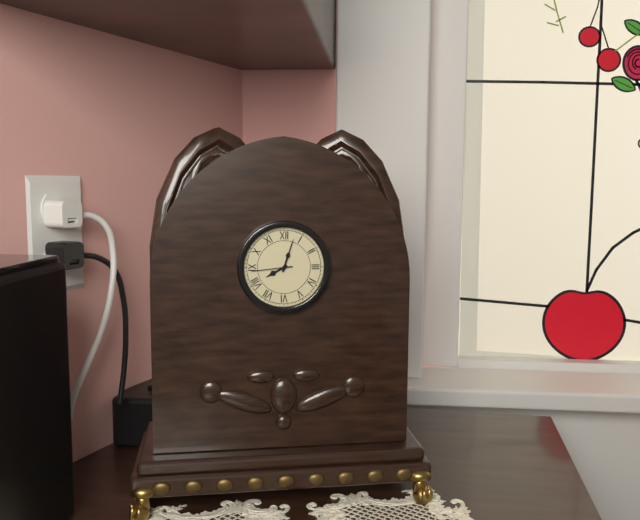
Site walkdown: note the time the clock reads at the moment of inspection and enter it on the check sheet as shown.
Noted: 8:03
